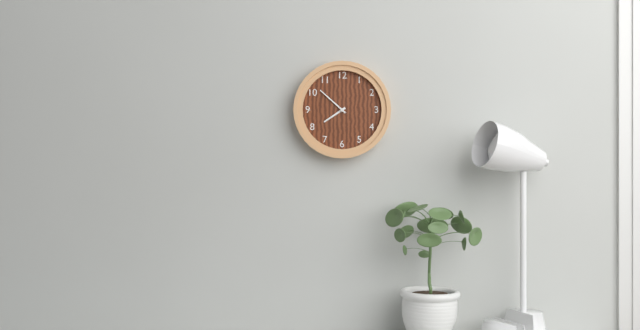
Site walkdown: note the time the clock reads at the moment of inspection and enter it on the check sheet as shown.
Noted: 7:52
